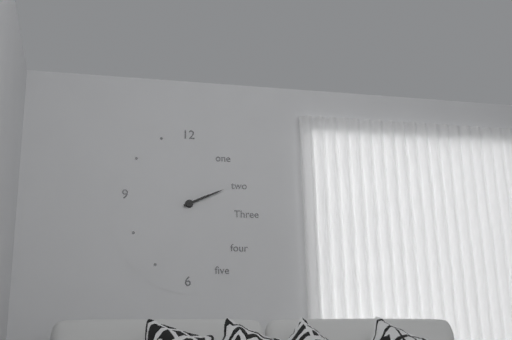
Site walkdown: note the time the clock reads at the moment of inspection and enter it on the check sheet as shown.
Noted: 2:11
